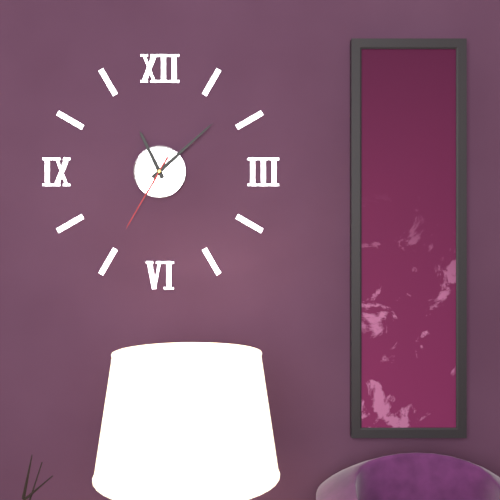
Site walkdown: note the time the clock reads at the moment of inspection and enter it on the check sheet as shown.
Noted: 11:08:35
